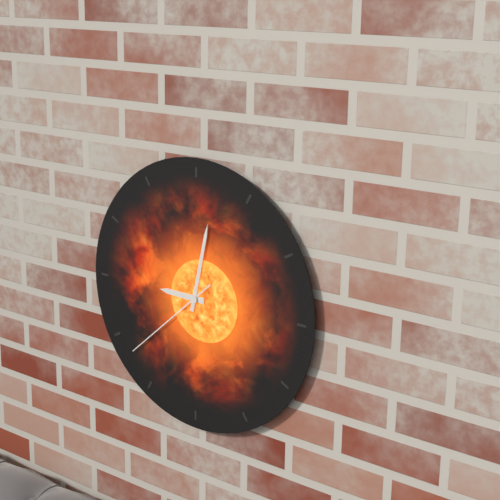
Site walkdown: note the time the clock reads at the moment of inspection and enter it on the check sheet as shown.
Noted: 9:02:38
